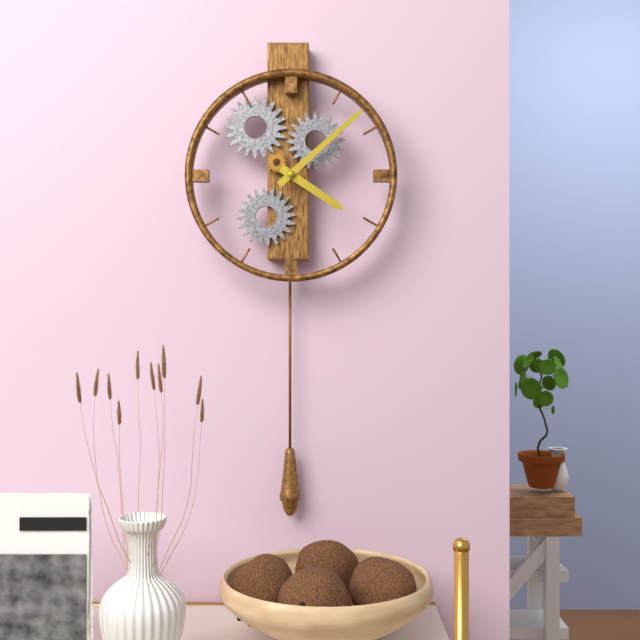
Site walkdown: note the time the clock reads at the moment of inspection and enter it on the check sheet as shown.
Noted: 4:08
